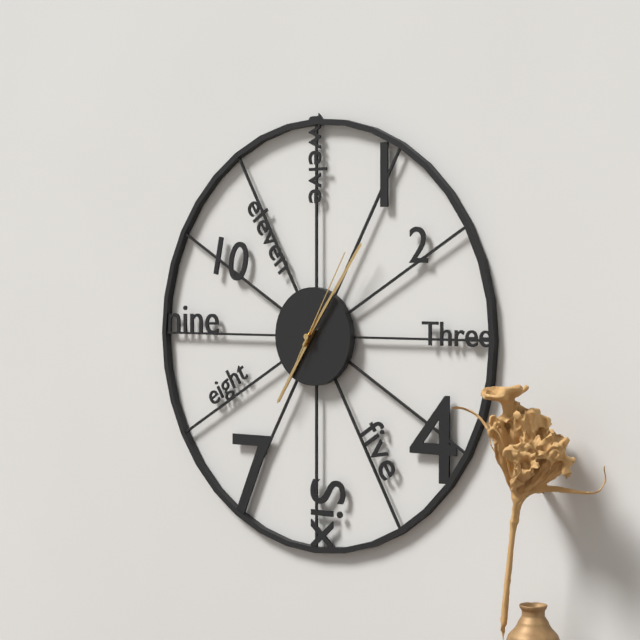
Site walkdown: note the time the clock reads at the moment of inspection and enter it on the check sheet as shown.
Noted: 7:06:05
